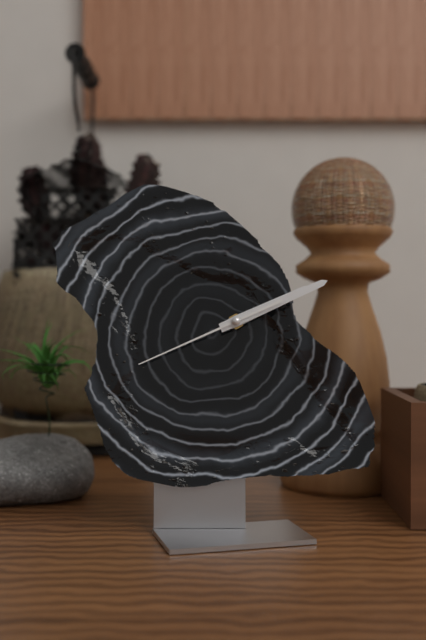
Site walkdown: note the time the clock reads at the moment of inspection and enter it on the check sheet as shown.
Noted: 2:11:41
